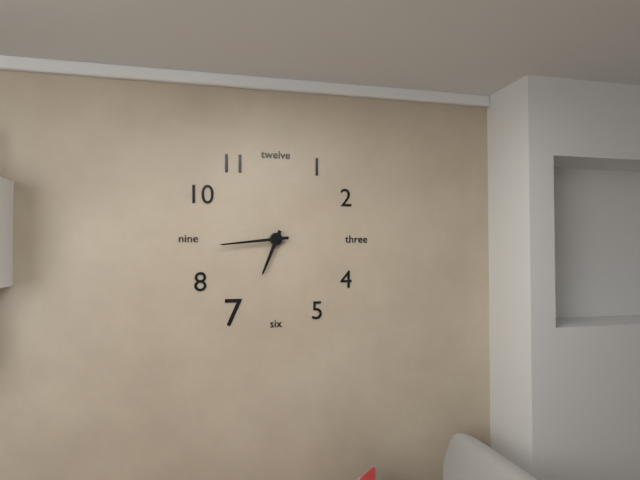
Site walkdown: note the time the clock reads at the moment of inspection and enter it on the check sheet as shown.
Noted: 6:44
